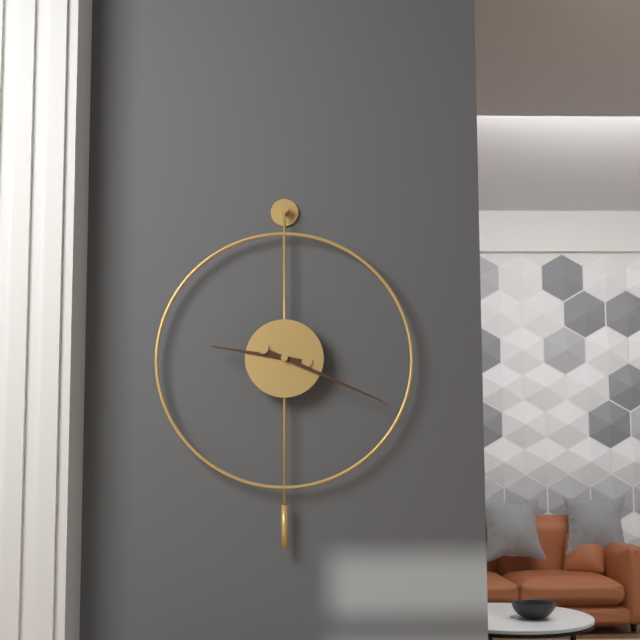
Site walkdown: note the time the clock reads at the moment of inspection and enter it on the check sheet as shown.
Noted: 9:19
